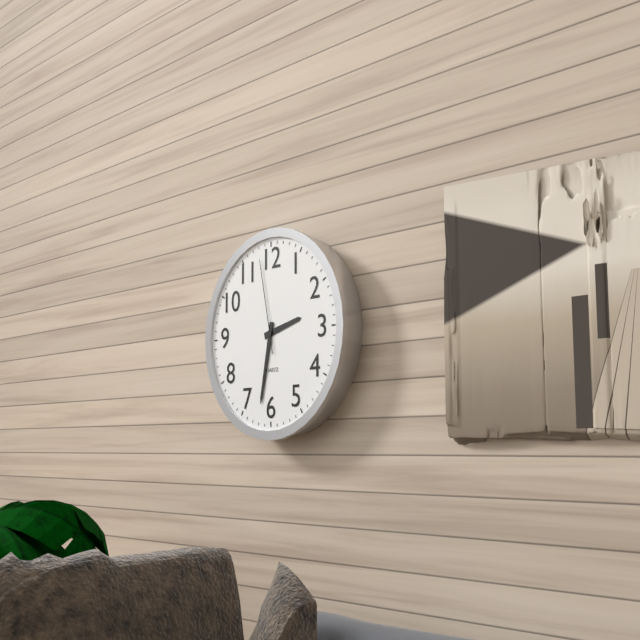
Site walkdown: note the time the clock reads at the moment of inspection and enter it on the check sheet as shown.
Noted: 2:32:58
